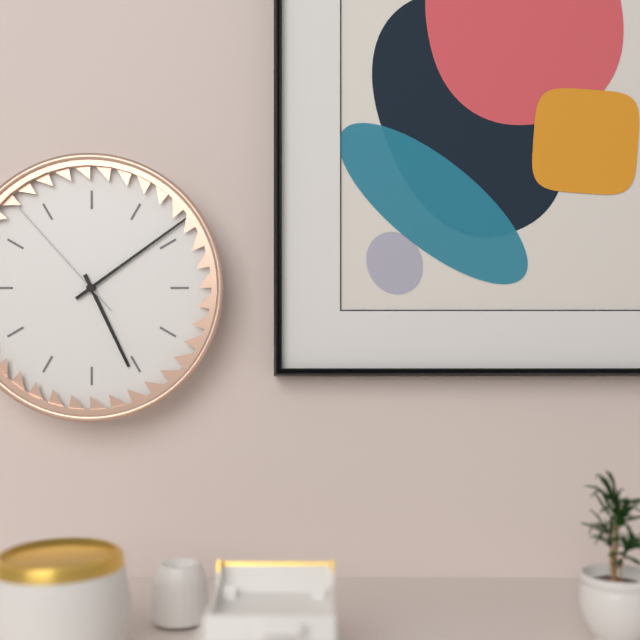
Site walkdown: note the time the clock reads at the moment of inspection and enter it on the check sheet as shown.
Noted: 5:09:53
